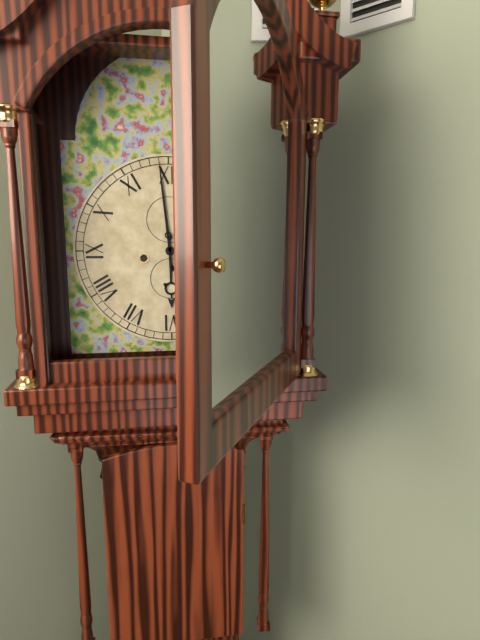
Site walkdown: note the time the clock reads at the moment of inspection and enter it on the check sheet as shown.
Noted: 5:59
